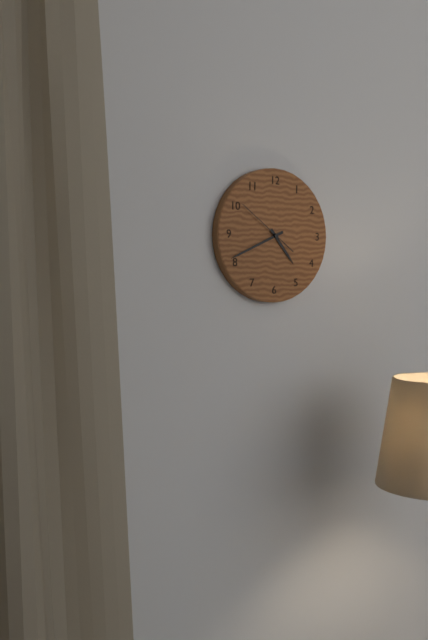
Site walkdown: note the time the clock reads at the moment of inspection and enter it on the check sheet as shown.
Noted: 4:41:51
